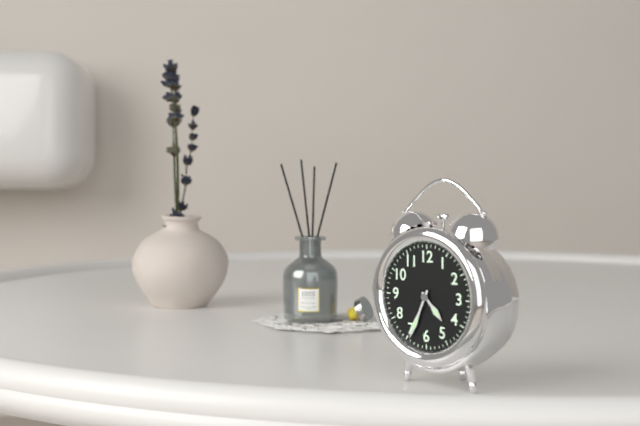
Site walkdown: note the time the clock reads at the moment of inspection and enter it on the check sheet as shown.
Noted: 4:34
